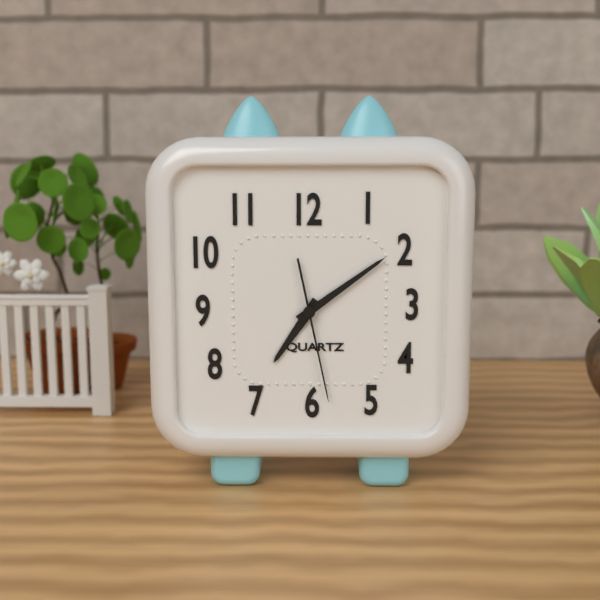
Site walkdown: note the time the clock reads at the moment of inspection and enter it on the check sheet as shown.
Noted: 7:09:28
